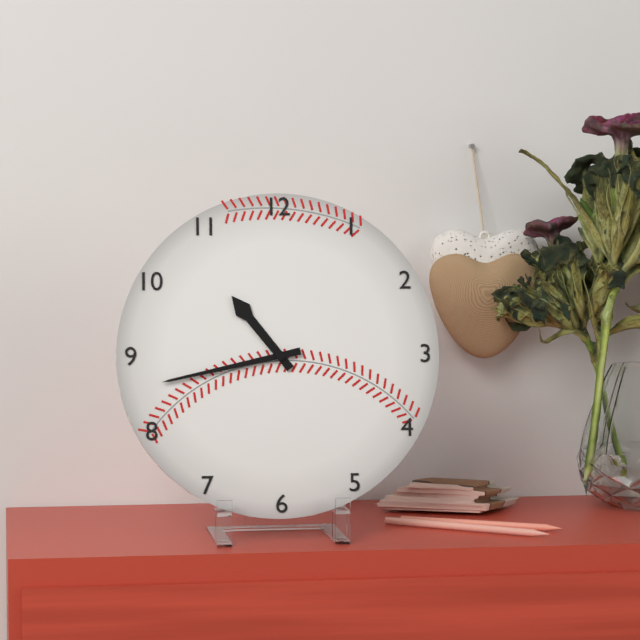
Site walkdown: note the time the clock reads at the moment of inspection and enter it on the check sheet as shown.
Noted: 10:43
